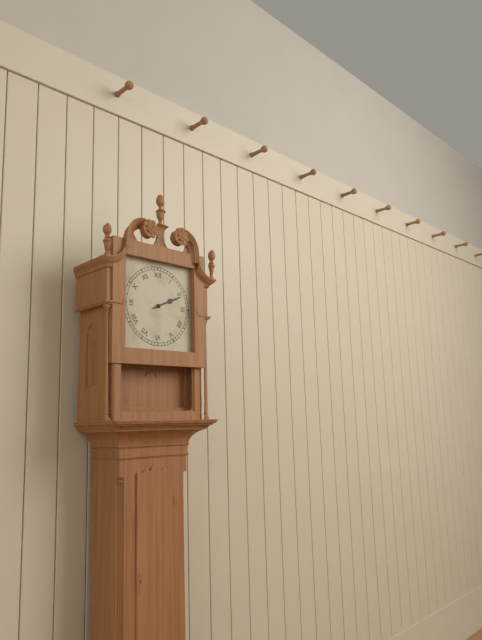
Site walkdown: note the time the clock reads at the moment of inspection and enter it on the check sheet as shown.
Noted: 2:11
